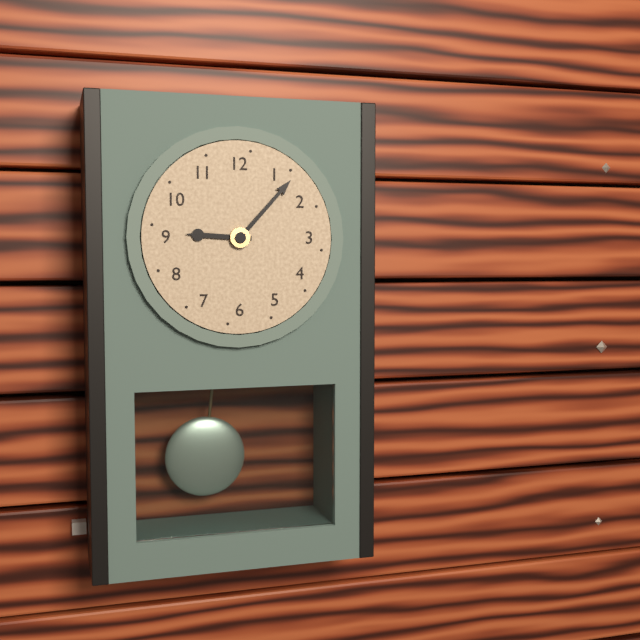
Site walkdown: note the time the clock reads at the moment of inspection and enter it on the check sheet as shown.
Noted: 9:07
